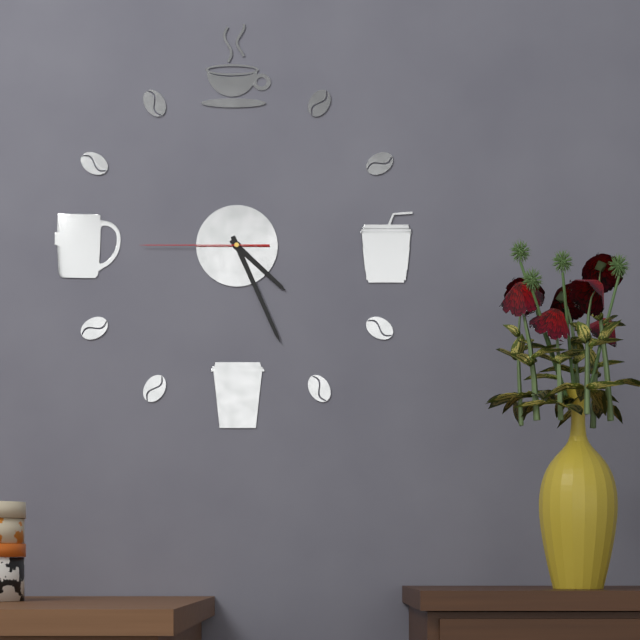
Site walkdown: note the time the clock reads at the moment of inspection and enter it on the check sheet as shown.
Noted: 4:26:45
